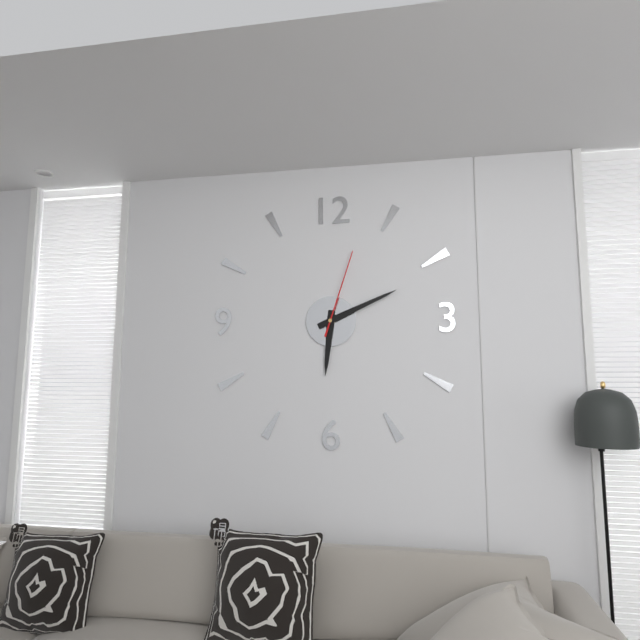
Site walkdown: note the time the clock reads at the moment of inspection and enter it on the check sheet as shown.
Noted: 6:11:03
